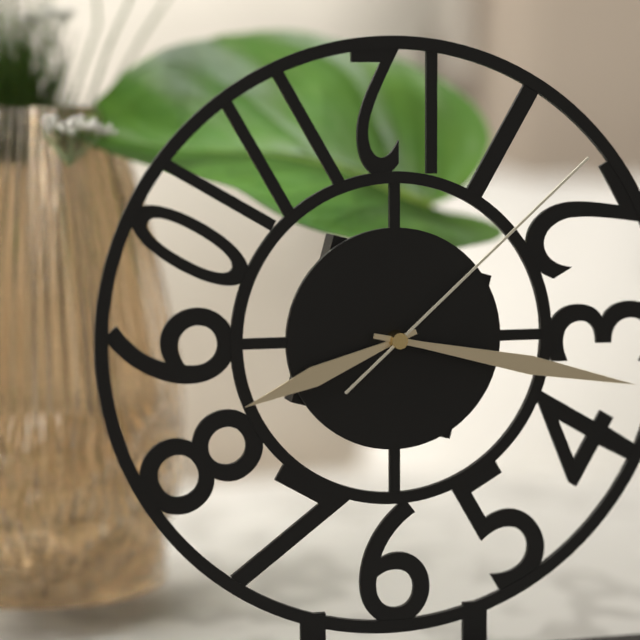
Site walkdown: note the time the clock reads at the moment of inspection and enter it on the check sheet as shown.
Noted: 8:17:08
